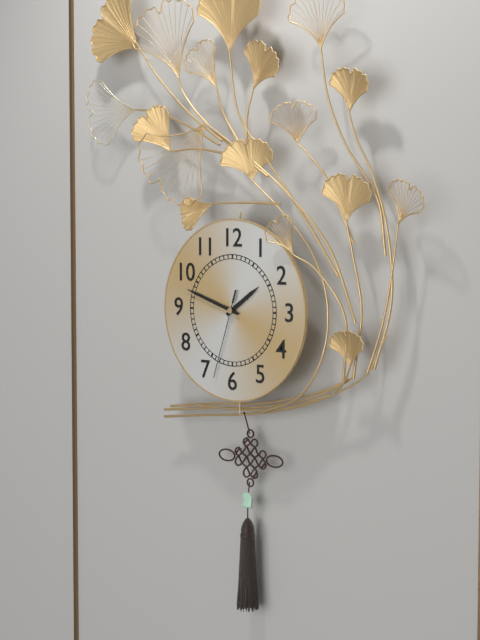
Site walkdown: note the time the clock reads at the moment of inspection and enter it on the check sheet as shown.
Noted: 1:48:33
